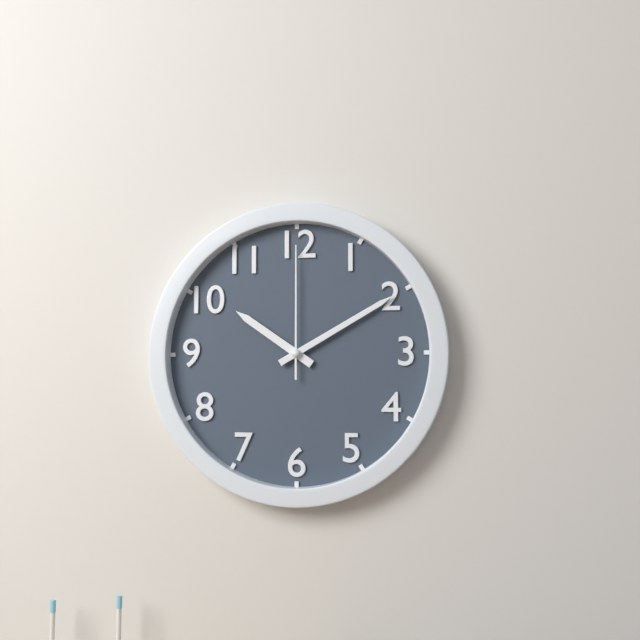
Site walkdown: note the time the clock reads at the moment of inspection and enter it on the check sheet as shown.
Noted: 10:10:00
